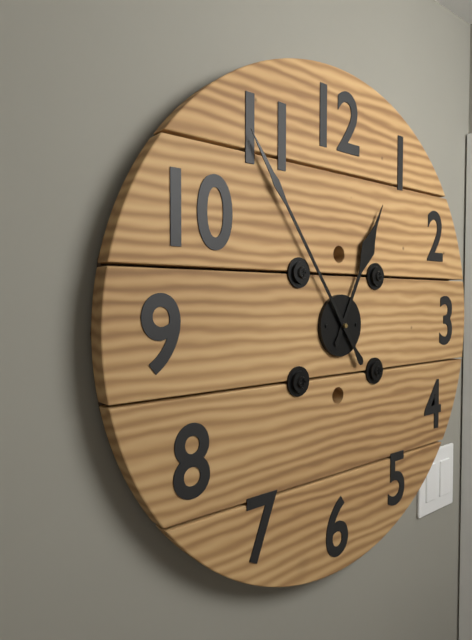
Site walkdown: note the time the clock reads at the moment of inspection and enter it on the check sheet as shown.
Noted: 12:54
